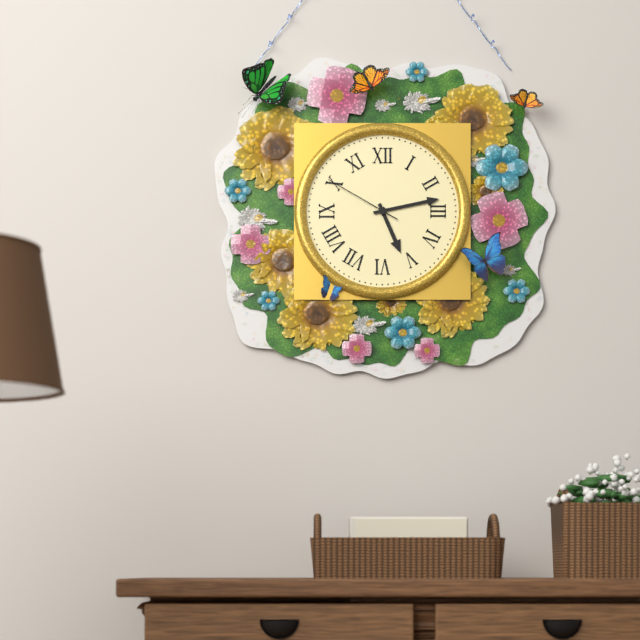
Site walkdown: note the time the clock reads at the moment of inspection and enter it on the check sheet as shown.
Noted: 5:13:50
